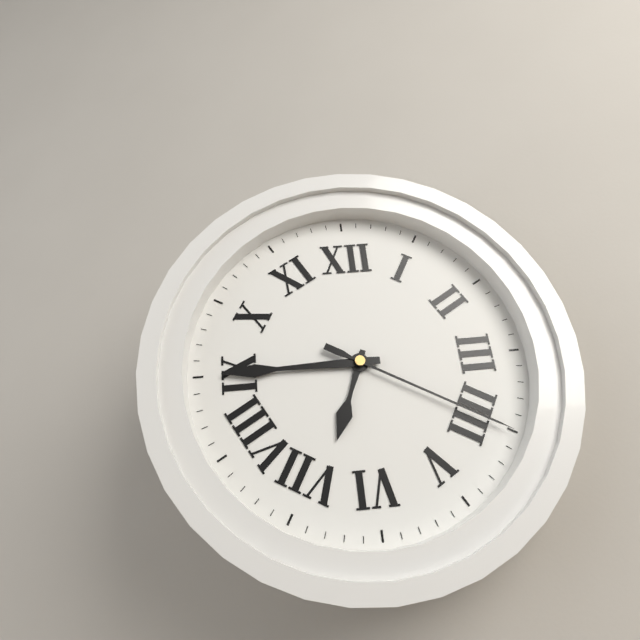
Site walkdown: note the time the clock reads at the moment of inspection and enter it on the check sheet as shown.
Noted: 6:45:20
